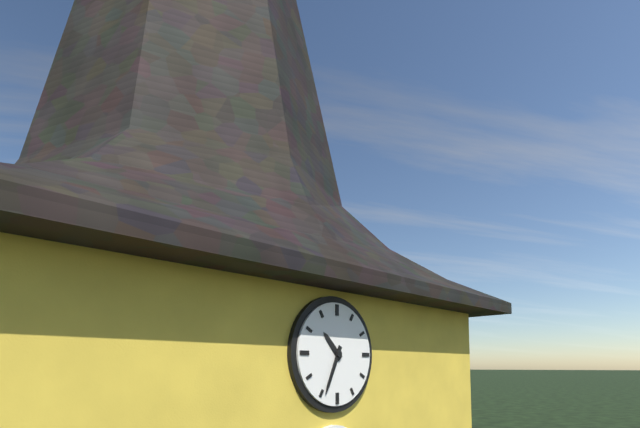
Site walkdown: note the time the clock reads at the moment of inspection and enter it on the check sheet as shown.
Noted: 10:34
